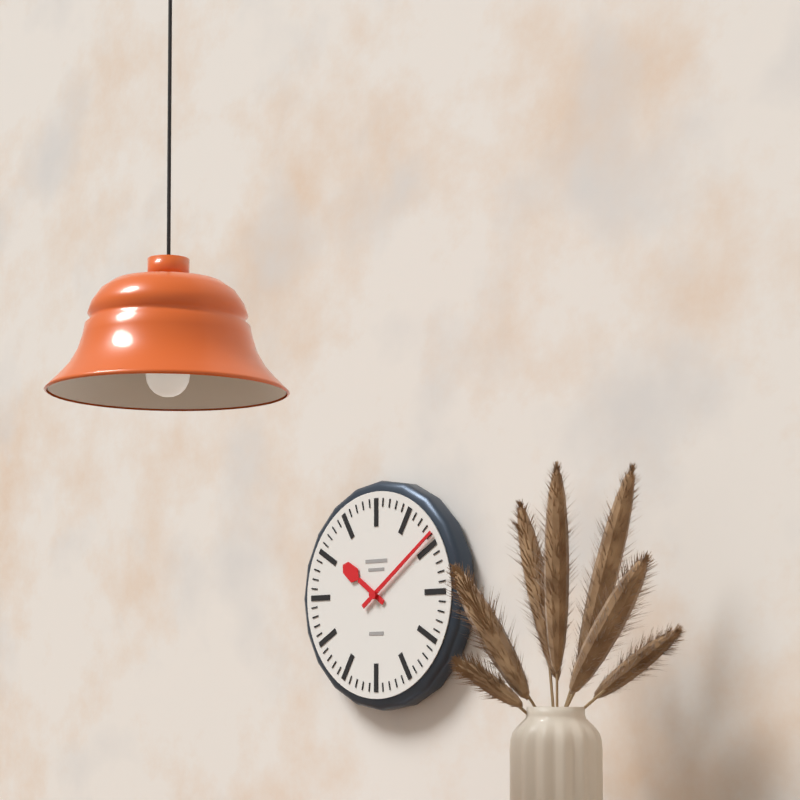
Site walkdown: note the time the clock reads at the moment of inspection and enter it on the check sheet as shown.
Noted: 10:09
